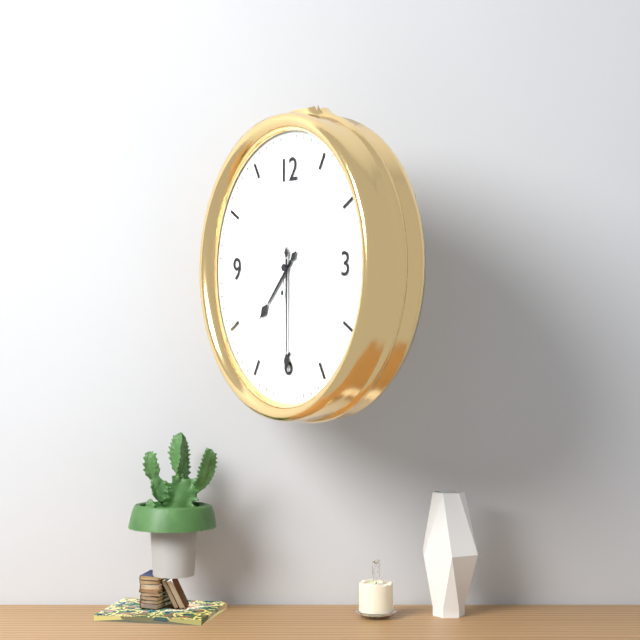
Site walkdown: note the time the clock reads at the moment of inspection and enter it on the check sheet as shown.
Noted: 7:30:02
